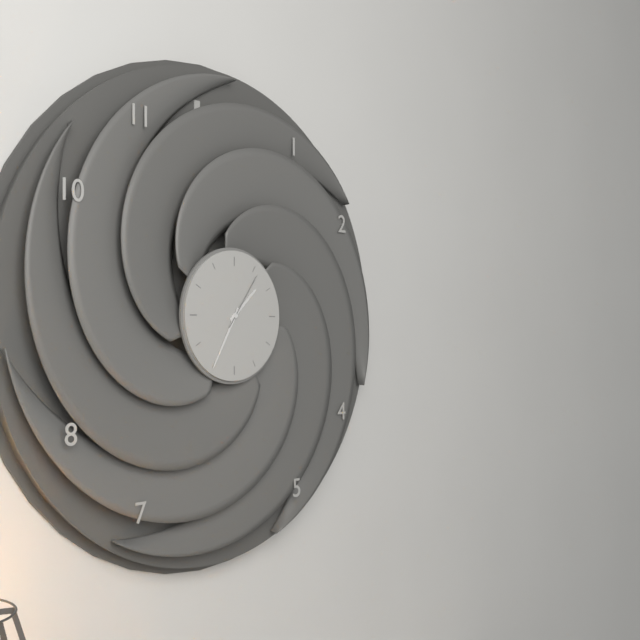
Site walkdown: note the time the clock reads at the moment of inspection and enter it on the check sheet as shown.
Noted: 1:35:06
